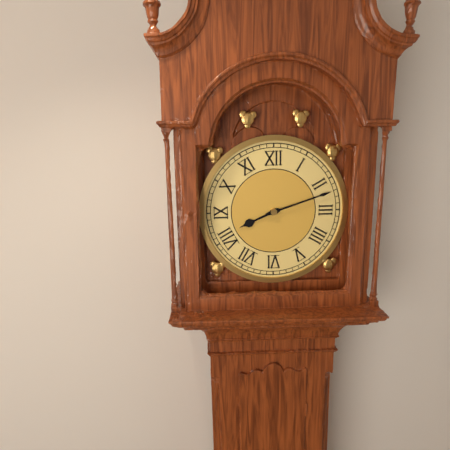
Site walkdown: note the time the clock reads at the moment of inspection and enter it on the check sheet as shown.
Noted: 8:12
